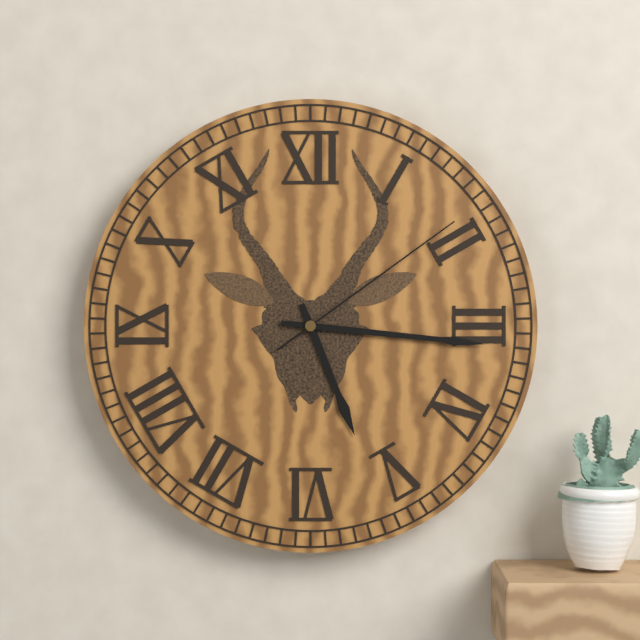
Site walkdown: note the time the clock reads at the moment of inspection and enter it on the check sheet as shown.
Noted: 5:16:09
